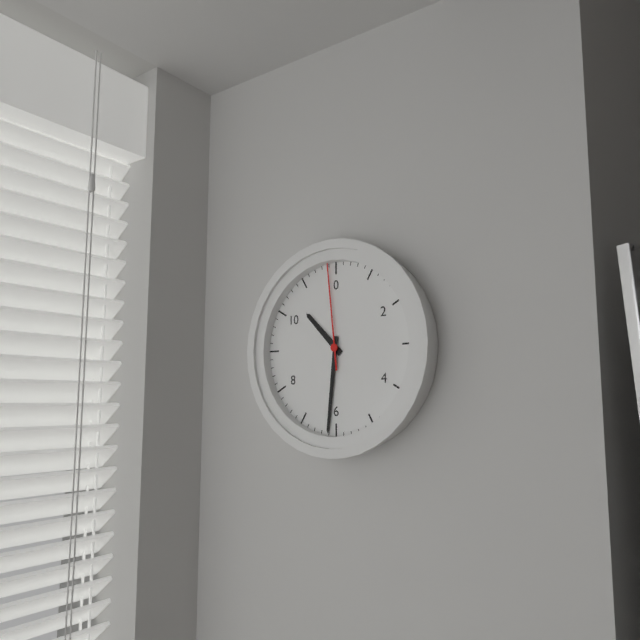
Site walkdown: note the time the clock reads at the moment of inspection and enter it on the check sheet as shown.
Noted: 10:31:59
